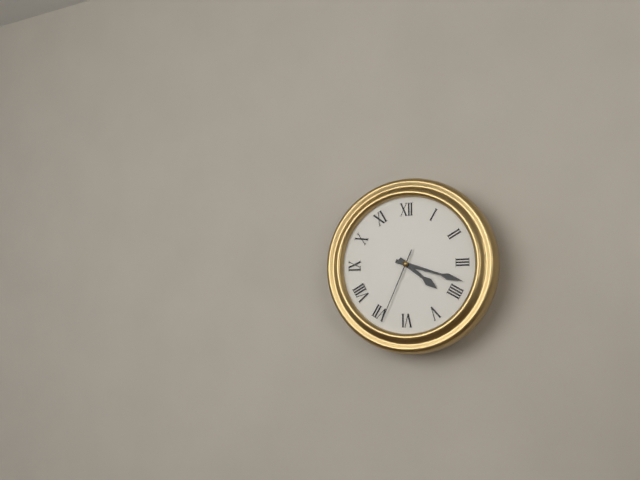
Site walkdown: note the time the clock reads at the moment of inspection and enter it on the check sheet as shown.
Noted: 4:18:34
